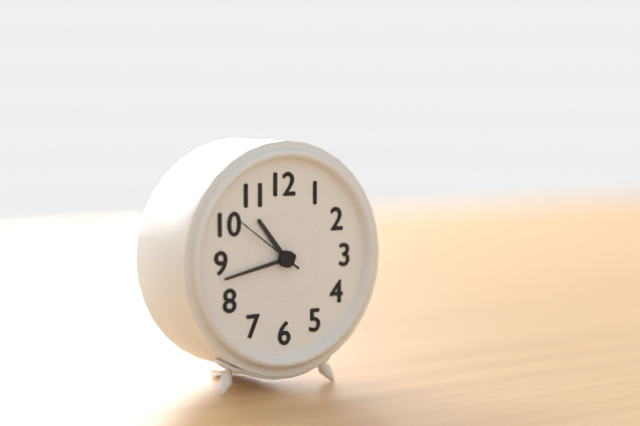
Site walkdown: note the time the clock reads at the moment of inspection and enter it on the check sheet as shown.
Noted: 10:43:51
